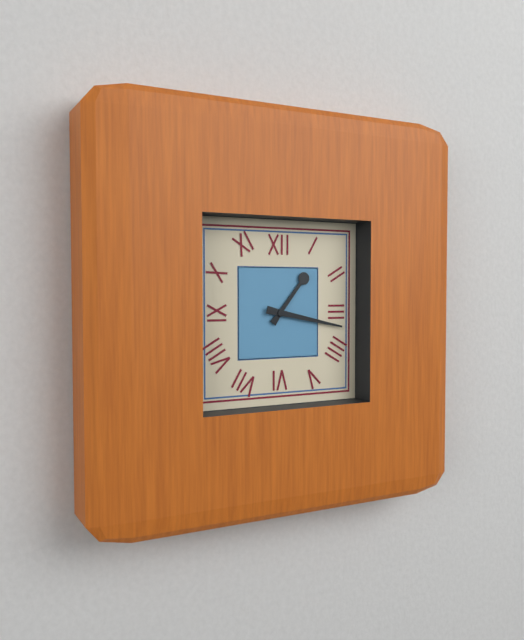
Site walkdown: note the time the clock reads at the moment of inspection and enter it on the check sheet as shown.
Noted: 1:17
